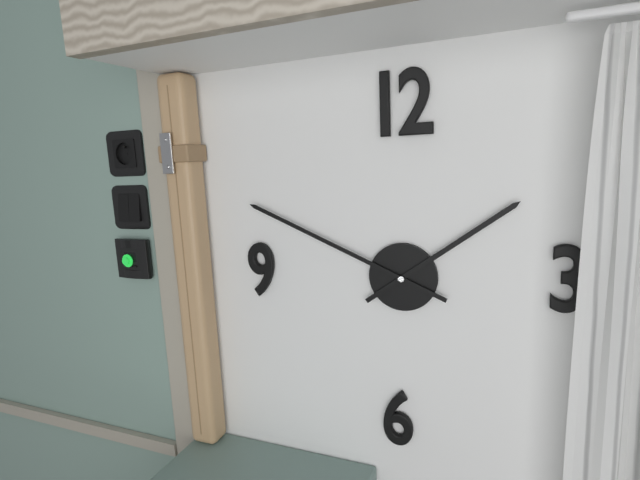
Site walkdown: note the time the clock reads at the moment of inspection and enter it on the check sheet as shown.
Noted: 1:49
